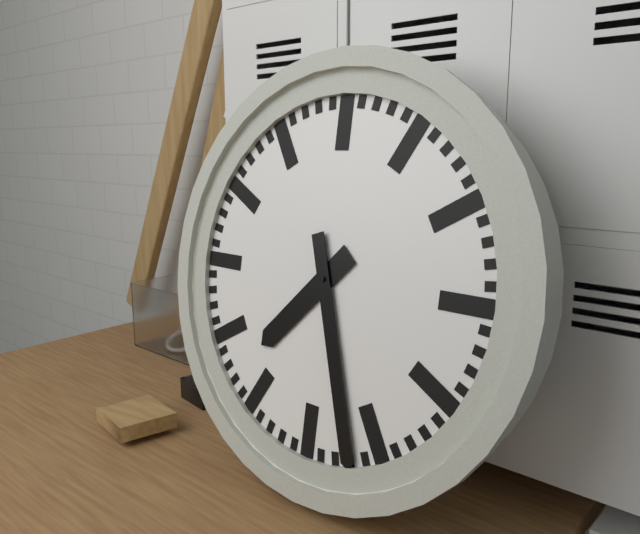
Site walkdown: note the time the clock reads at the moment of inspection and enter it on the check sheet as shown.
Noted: 7:27
